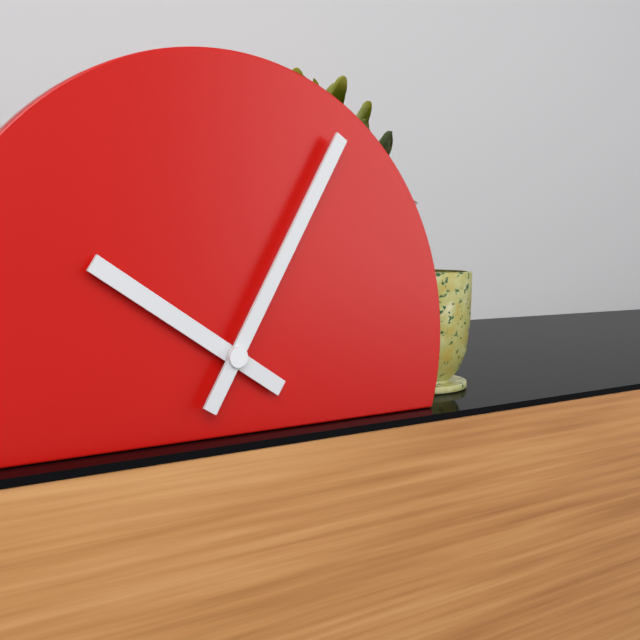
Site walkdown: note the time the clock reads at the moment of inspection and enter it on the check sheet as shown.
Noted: 10:05
